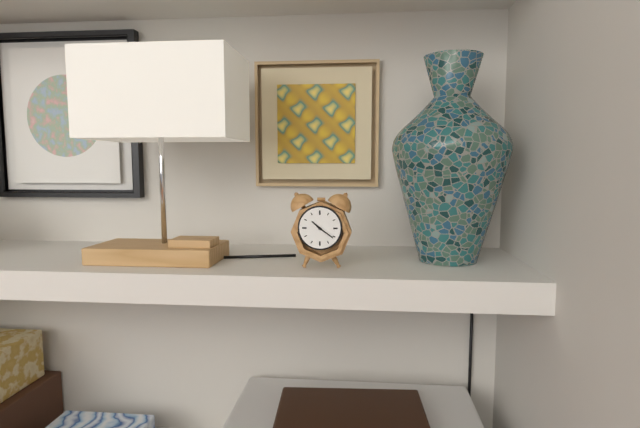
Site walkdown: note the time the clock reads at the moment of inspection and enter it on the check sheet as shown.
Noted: 10:21
